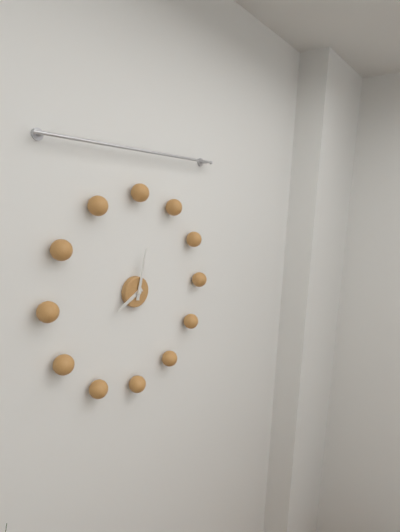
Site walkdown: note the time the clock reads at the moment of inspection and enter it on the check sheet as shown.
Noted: 8:02
